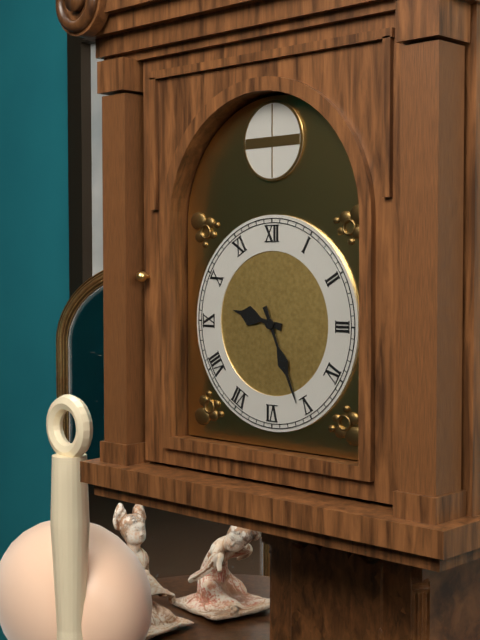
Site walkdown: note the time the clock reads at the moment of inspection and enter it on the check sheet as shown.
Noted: 9:26
